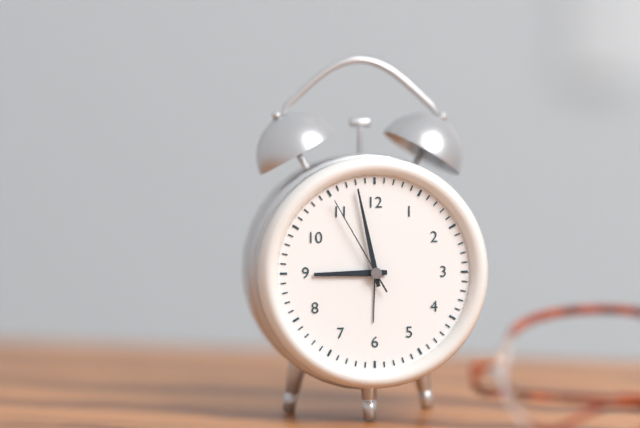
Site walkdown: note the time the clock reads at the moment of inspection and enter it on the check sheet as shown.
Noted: 8:58:55
